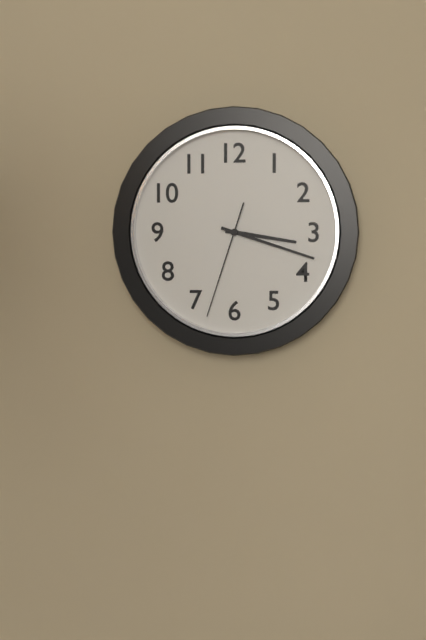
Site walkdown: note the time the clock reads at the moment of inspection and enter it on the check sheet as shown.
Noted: 3:18:33
